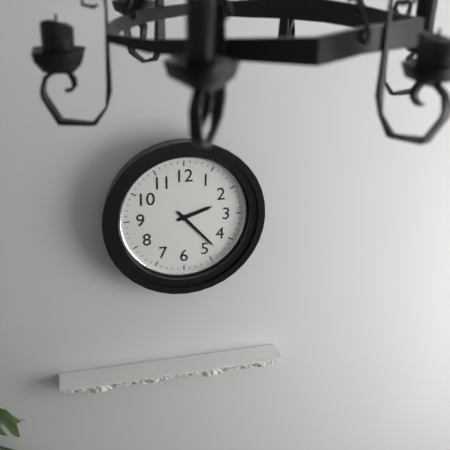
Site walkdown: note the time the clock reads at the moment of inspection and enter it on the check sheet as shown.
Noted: 2:23
